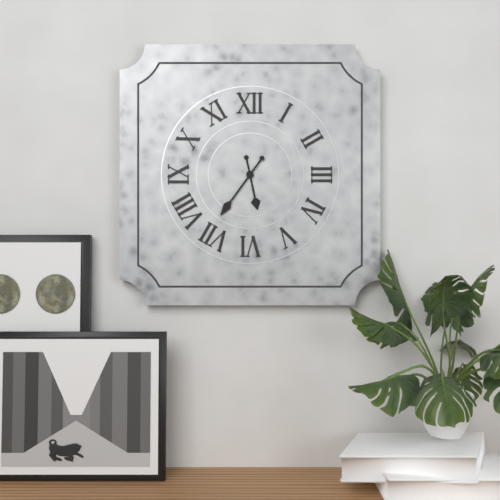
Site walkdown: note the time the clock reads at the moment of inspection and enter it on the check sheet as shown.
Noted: 5:36
